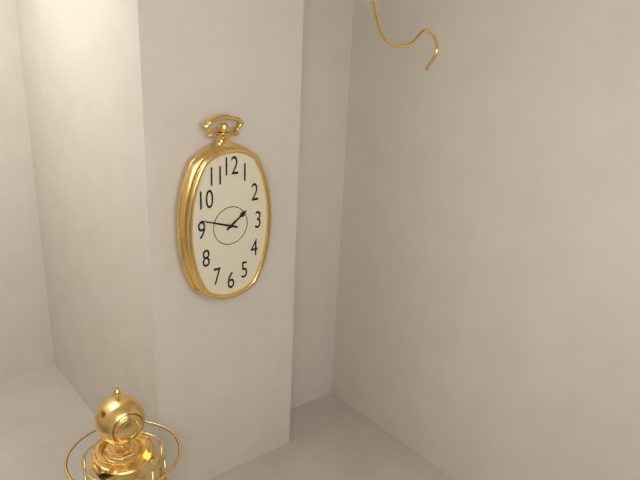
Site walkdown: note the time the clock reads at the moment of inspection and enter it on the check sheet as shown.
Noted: 1:48
